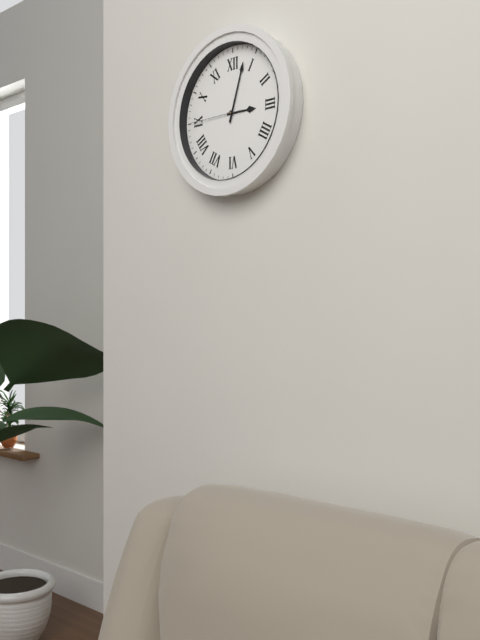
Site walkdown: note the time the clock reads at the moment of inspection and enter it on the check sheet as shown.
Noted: 3:03:45
